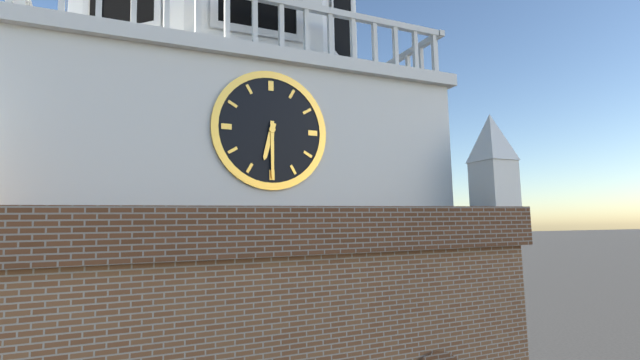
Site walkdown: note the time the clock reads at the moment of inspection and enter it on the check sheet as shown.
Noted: 6:30
